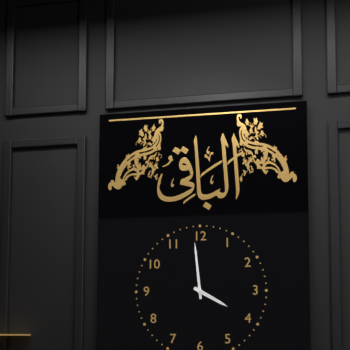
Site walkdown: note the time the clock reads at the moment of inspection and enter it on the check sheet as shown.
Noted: 3:59
